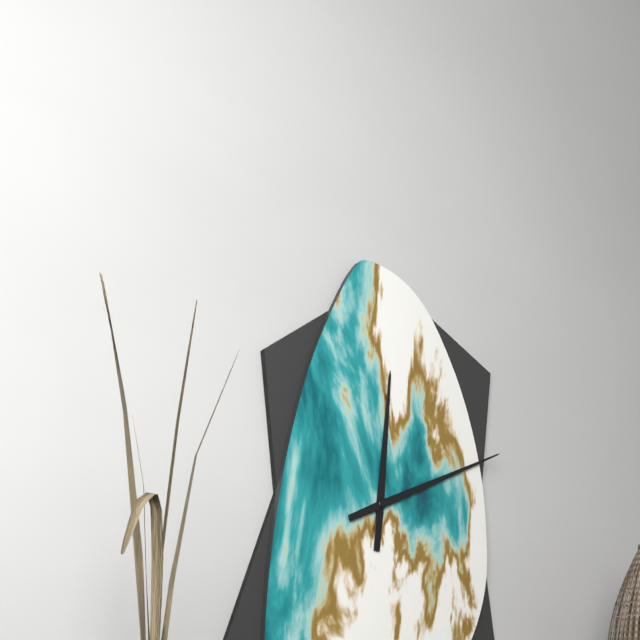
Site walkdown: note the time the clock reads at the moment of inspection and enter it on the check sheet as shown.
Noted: 12:11
